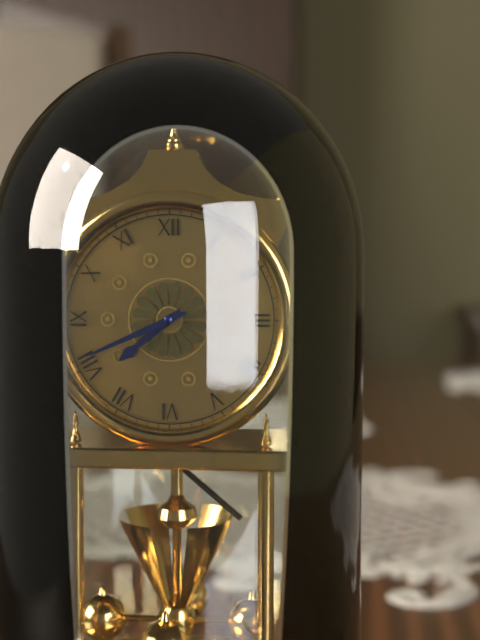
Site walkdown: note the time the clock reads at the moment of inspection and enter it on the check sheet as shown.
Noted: 7:41
